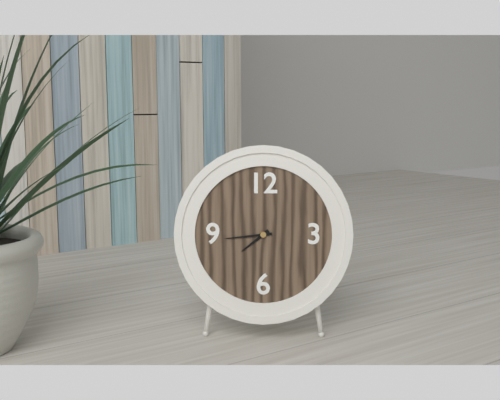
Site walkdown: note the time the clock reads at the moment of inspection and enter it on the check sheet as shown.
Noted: 7:44
